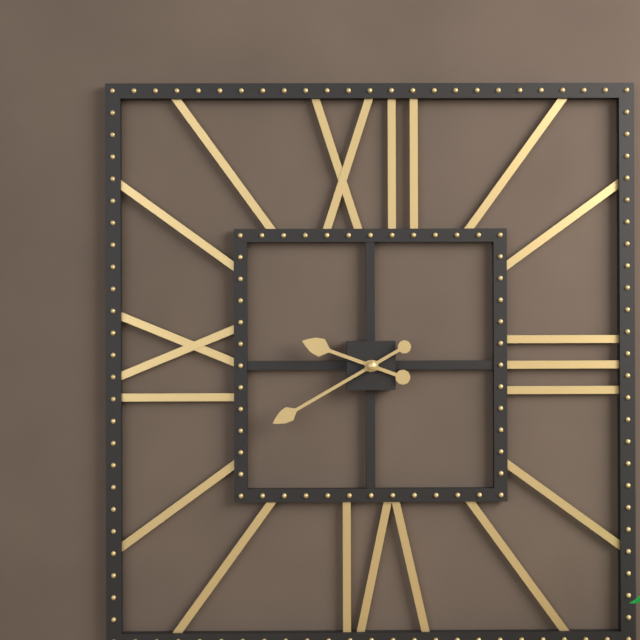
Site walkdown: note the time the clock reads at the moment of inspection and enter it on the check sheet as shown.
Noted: 9:40
